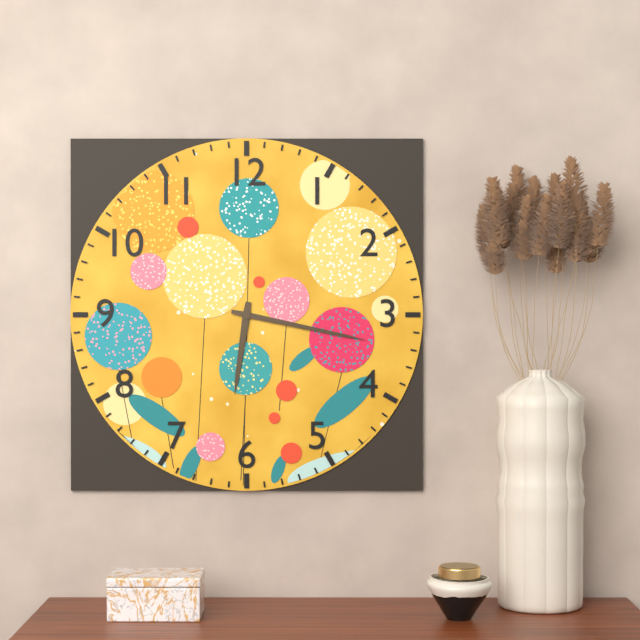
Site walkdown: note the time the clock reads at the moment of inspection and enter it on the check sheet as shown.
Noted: 6:17
